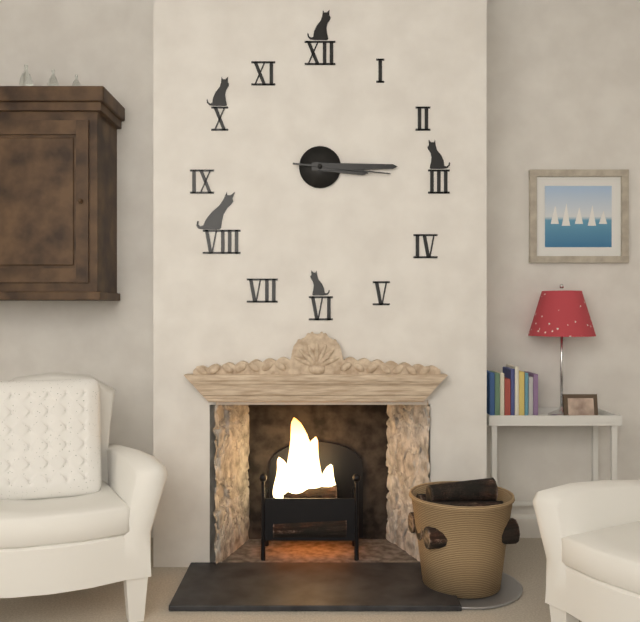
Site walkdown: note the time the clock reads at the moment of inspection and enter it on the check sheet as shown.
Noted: 3:15:16
